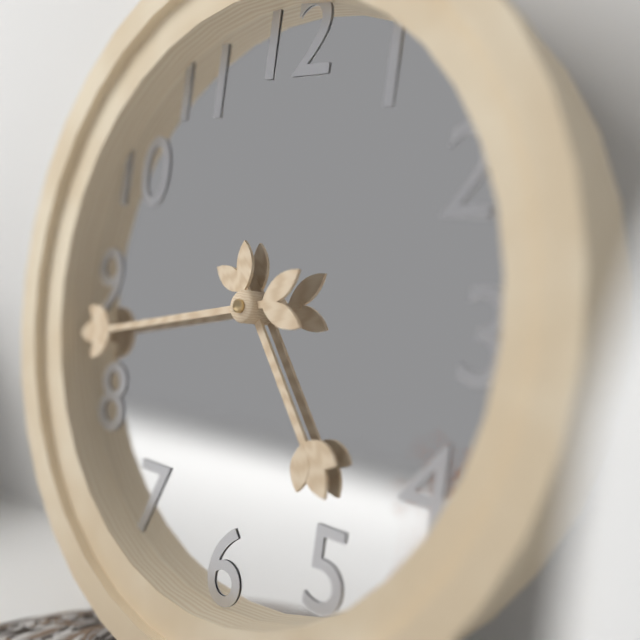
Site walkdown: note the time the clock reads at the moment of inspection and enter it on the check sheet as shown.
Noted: 4:43
